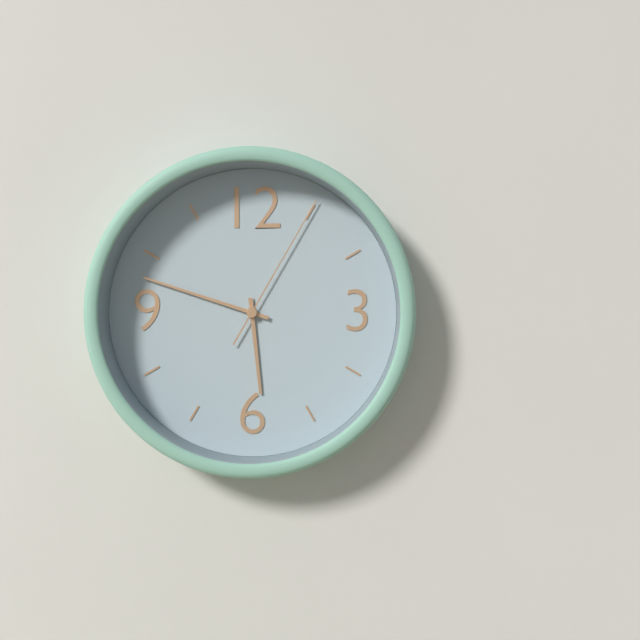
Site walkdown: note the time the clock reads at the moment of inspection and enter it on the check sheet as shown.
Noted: 5:48:05
